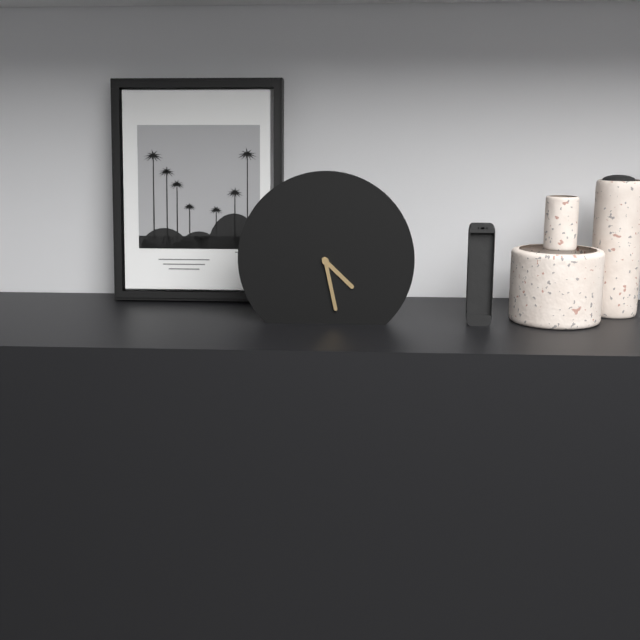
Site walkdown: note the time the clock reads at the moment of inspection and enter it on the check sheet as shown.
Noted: 4:28
